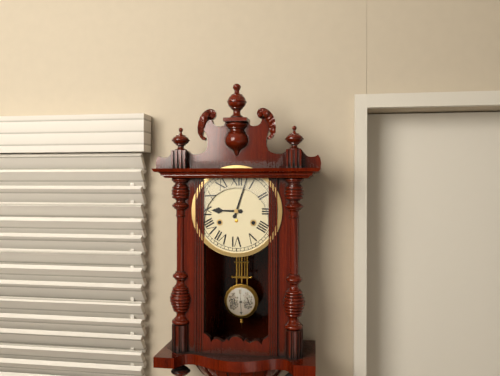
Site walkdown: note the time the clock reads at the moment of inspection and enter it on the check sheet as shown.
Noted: 9:03
